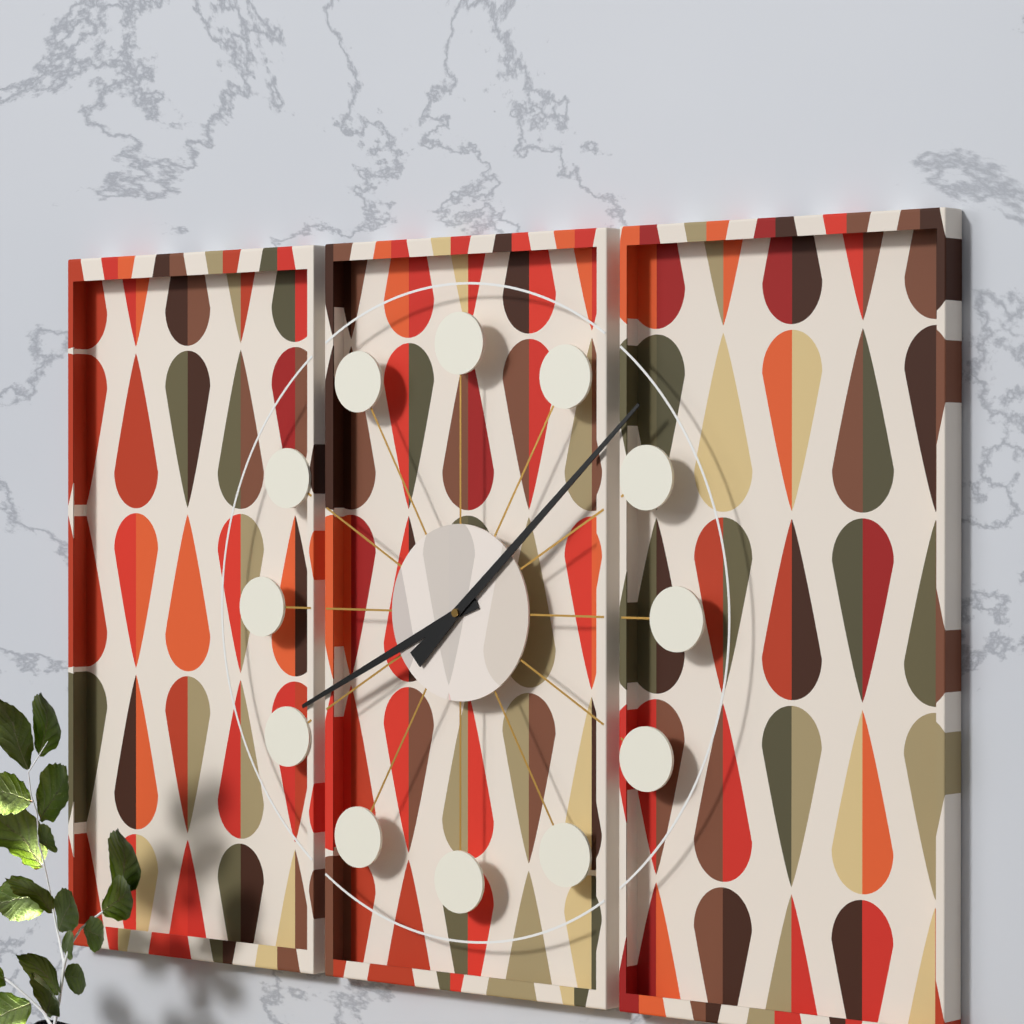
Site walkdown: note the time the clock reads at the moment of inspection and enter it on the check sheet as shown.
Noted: 8:08
